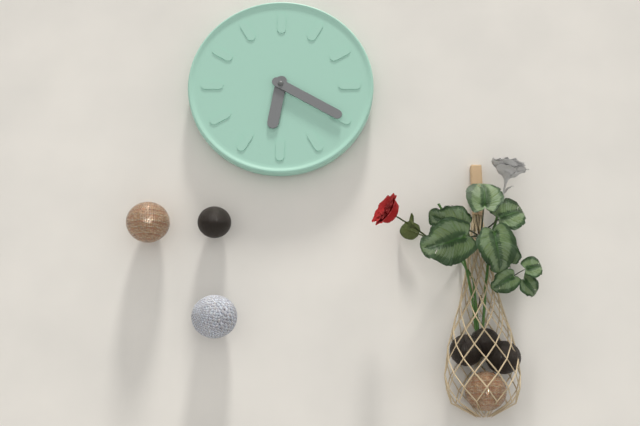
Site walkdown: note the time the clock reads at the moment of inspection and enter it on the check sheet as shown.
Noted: 6:20
